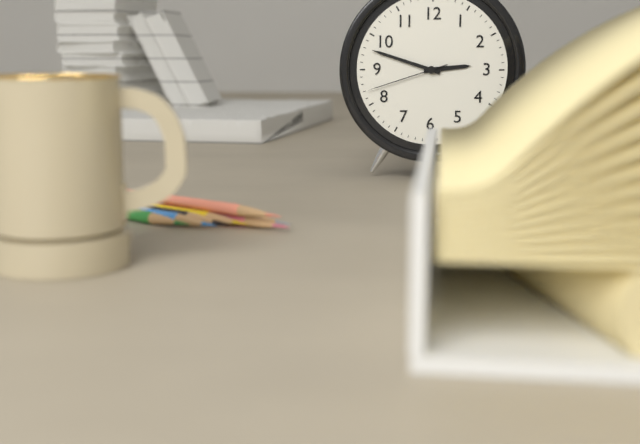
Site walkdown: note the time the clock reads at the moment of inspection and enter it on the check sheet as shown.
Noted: 2:48:42
